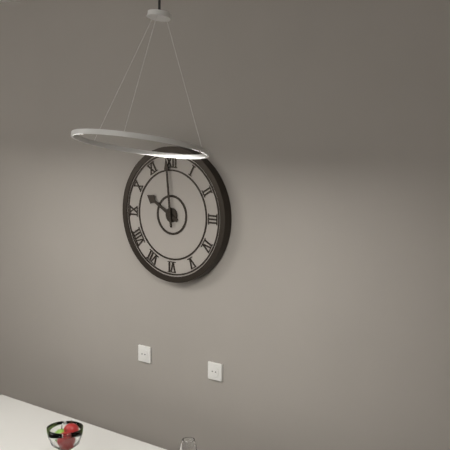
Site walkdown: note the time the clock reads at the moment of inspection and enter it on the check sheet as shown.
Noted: 9:59
